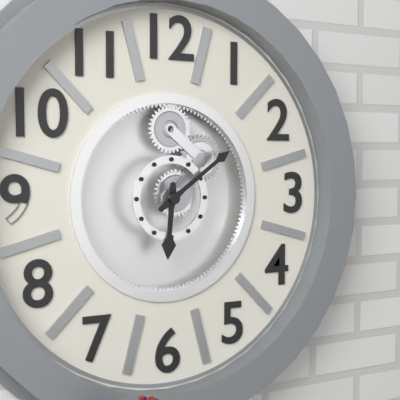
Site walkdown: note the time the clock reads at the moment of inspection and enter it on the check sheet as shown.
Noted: 6:09
